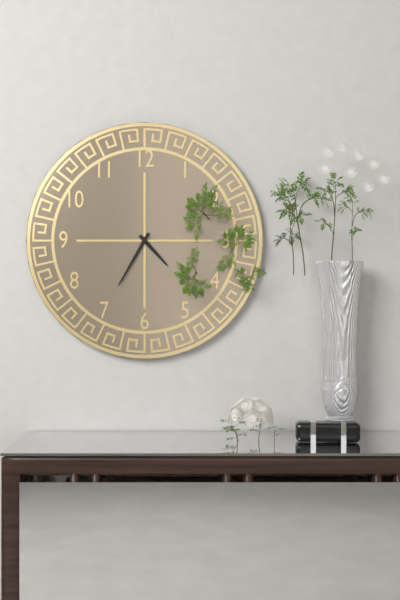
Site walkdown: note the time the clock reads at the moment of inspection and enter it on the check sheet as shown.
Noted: 4:35
